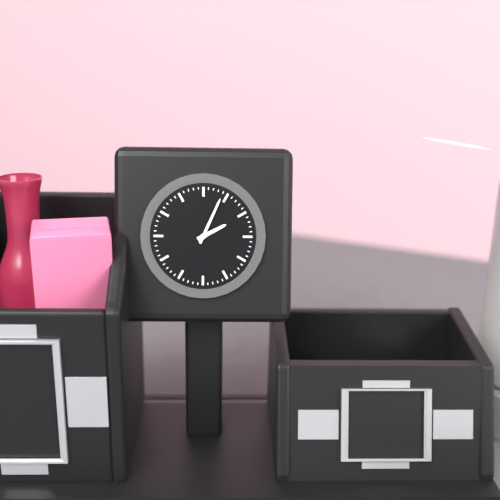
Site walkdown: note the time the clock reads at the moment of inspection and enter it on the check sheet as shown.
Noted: 2:04
